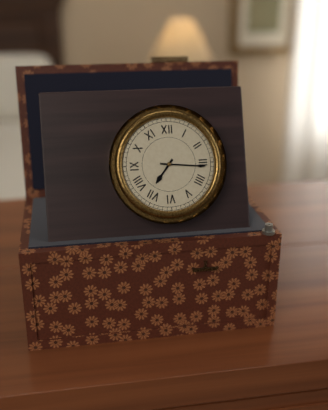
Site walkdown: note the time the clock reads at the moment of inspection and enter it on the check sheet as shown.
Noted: 7:16
